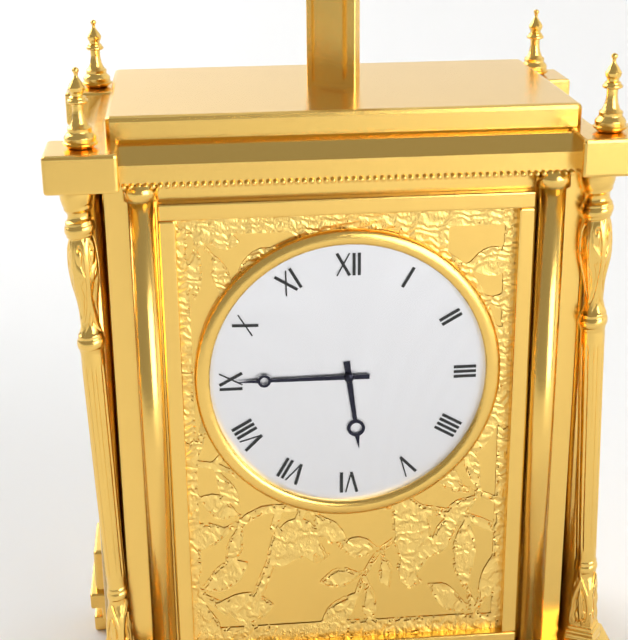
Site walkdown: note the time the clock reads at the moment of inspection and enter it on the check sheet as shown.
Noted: 5:45
